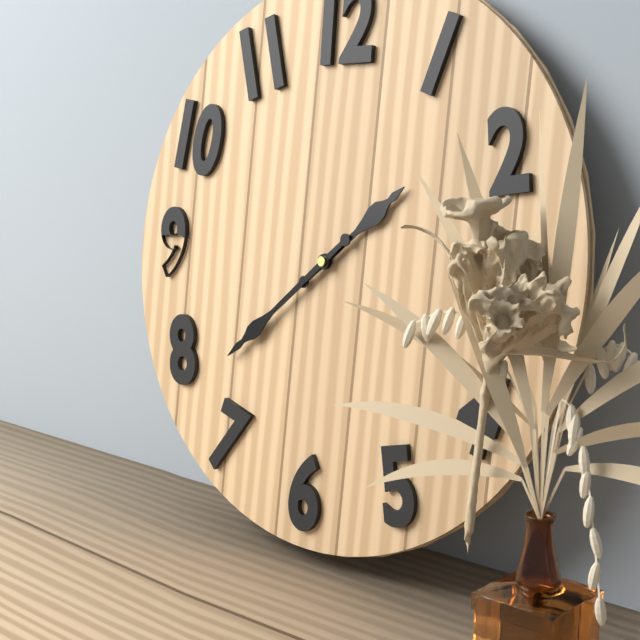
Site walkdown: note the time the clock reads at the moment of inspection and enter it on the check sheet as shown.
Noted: 1:38
